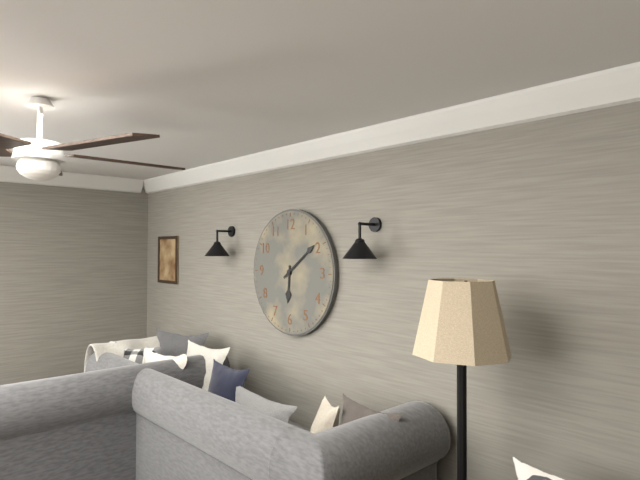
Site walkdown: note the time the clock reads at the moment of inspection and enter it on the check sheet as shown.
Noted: 6:09
